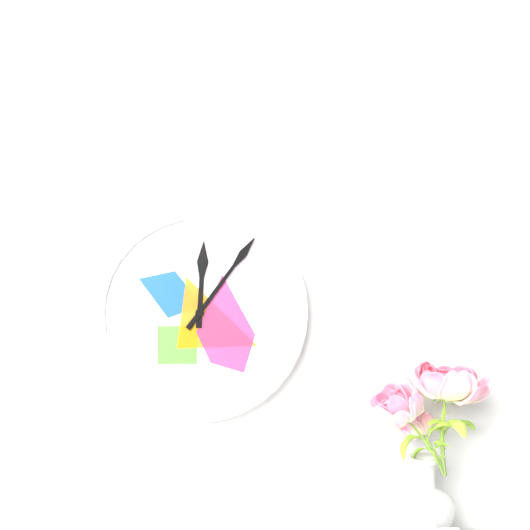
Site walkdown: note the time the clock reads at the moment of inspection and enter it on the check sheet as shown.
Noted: 12:06
